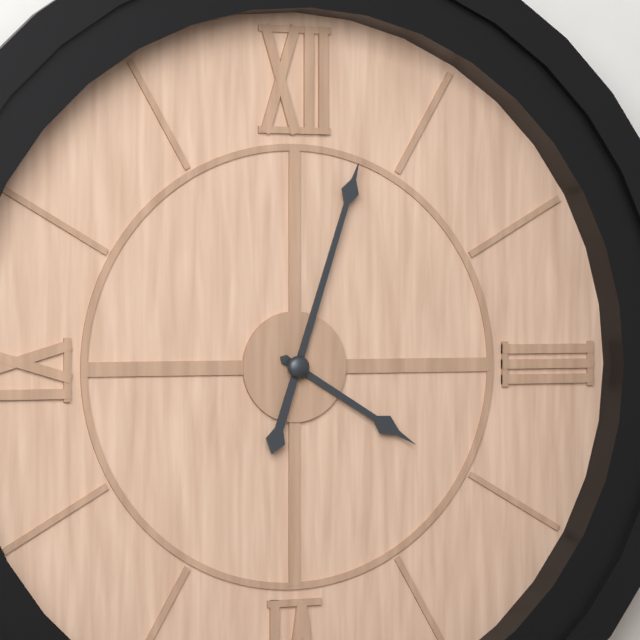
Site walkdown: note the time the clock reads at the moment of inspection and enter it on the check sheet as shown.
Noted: 4:03
